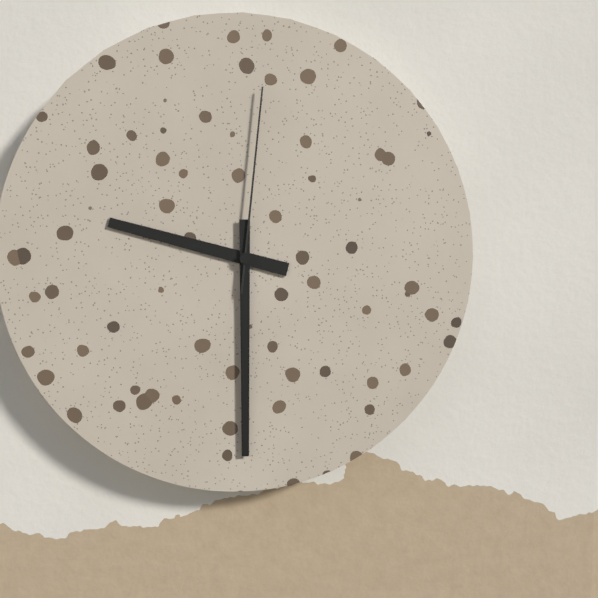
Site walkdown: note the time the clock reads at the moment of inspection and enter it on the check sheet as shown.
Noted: 9:30:01
